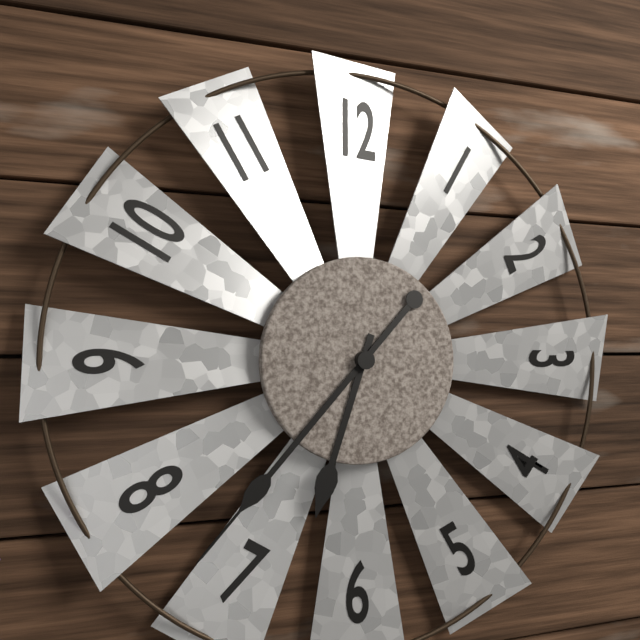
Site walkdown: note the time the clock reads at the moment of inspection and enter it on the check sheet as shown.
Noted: 6:37
